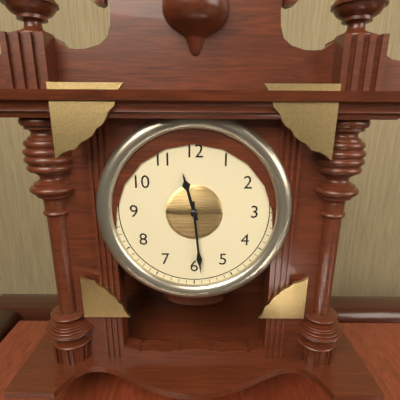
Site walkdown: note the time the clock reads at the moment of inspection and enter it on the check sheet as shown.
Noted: 11:29
